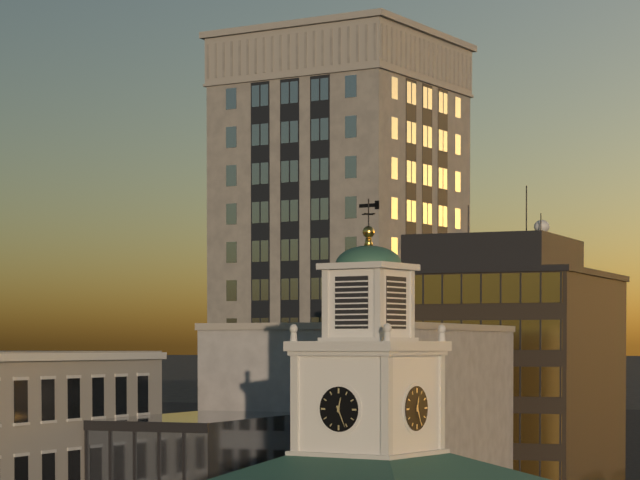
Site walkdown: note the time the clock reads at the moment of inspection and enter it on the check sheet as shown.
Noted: 12:26
